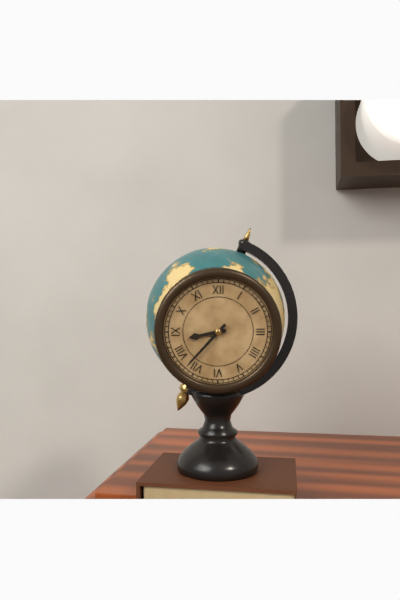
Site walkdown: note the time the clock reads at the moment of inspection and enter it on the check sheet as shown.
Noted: 8:37
